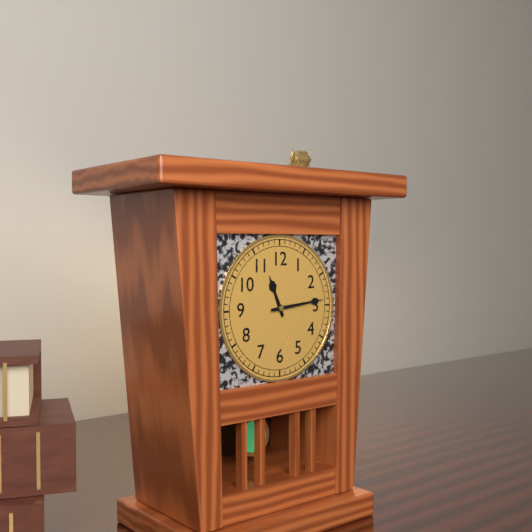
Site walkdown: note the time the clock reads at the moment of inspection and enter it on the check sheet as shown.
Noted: 11:14
